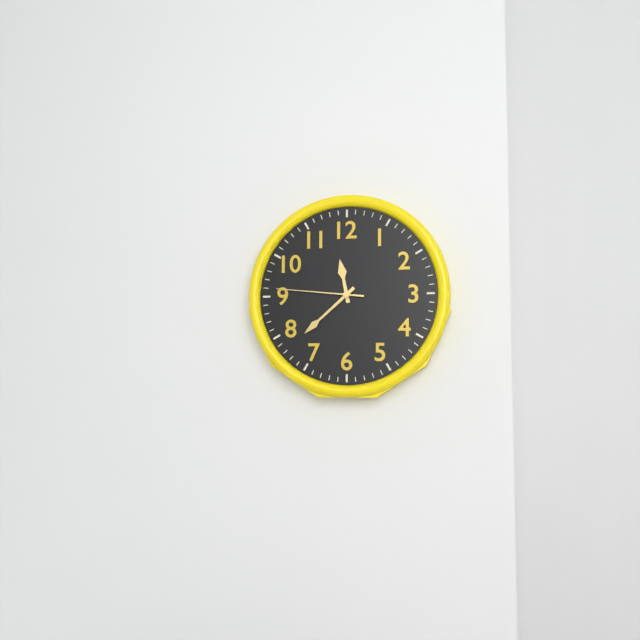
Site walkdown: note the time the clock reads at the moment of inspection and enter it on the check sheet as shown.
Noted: 11:38:46
